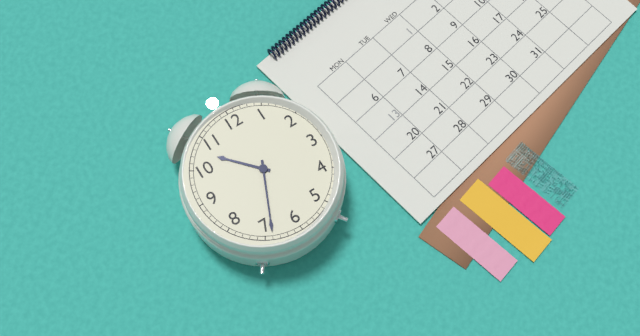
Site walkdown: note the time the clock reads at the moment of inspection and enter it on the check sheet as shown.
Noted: 10:34
